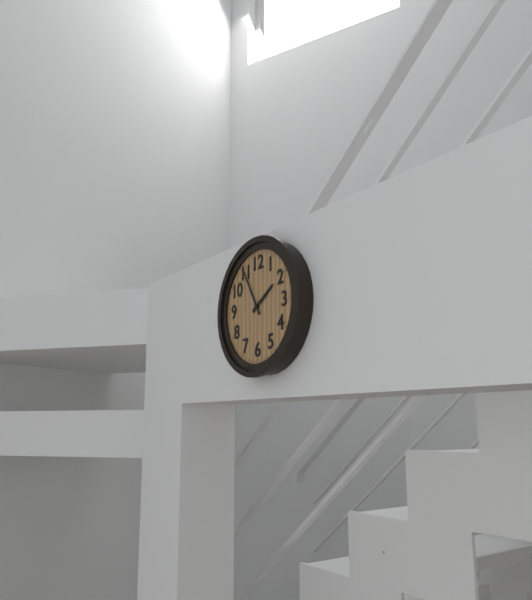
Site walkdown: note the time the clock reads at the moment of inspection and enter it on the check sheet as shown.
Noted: 1:55
